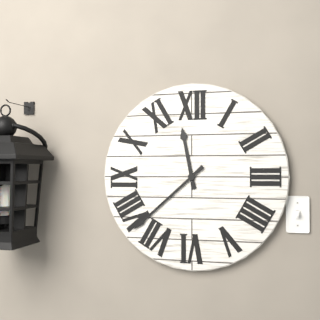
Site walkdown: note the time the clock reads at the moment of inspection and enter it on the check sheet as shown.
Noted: 11:38
